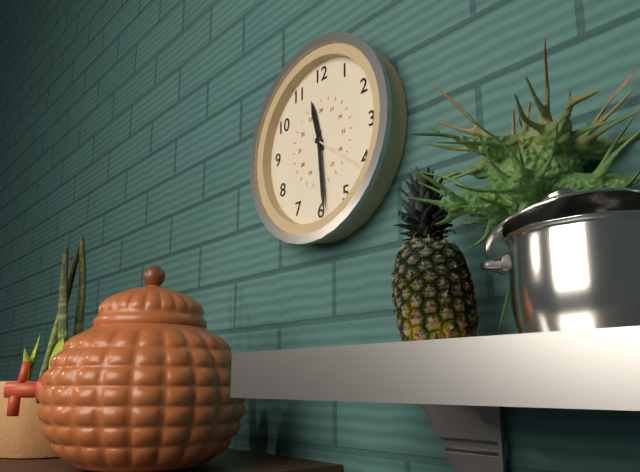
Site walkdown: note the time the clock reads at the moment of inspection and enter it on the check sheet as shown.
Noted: 11:29:21
